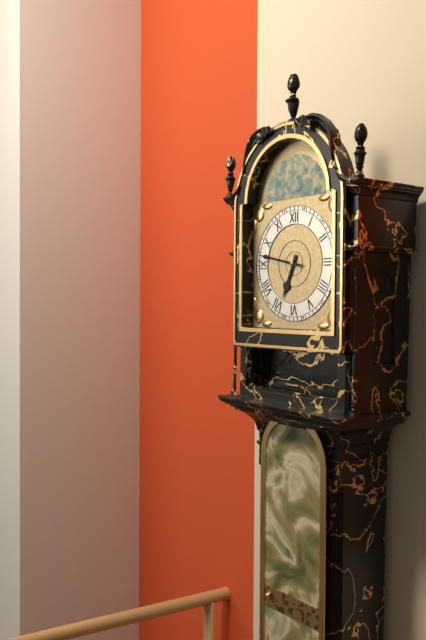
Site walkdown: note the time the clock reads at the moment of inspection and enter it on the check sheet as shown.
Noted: 6:47
